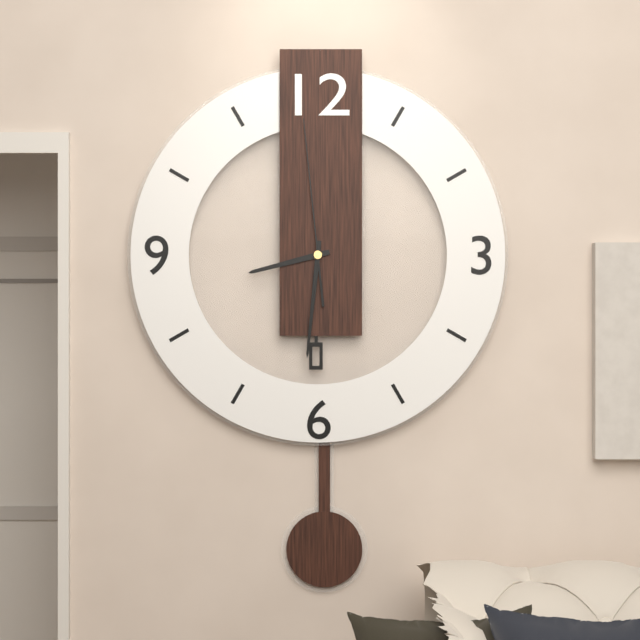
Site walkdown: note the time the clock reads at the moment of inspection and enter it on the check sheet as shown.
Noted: 8:31:59
